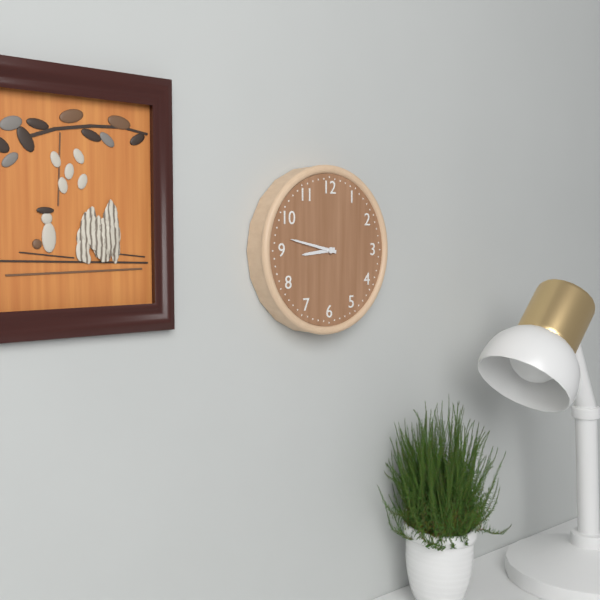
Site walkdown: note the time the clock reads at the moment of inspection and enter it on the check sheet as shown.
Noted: 8:47
